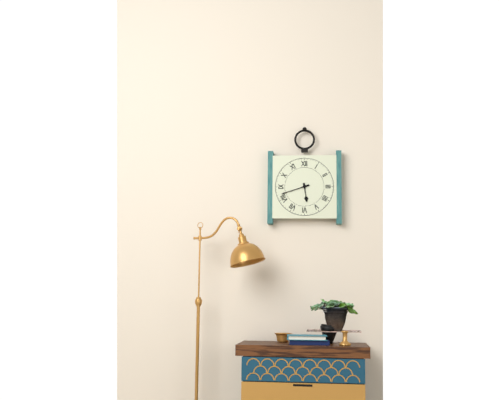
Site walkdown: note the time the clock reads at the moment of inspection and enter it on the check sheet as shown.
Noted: 5:42
